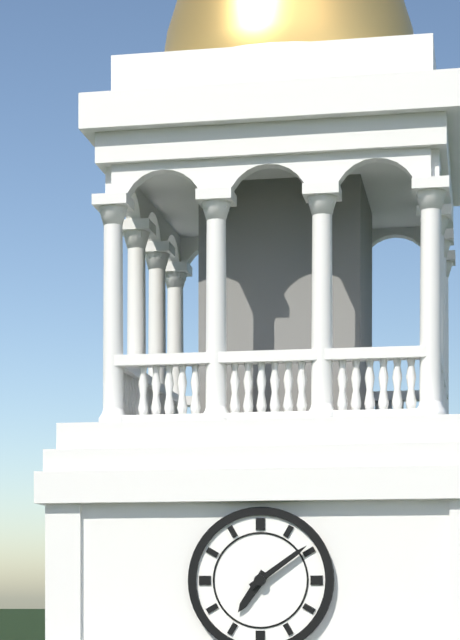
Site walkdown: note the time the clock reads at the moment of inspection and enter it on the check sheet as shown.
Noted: 7:09
